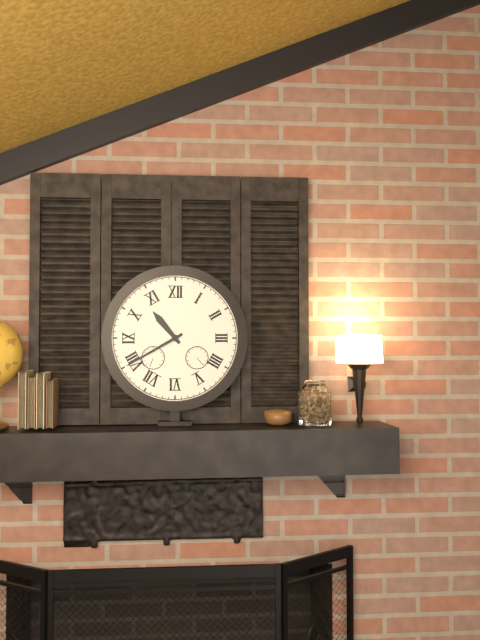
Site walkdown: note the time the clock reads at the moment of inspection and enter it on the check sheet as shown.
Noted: 10:40
